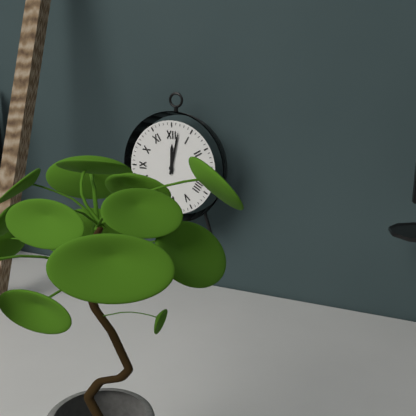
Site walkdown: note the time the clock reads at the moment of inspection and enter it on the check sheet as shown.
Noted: 12:02
